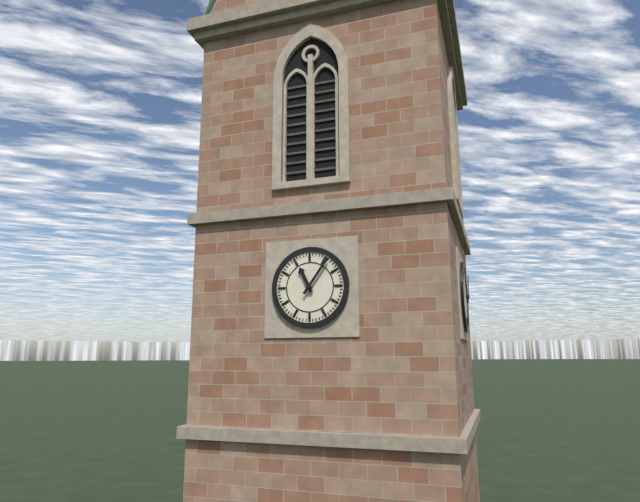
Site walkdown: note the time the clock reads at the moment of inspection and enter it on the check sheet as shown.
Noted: 11:06
